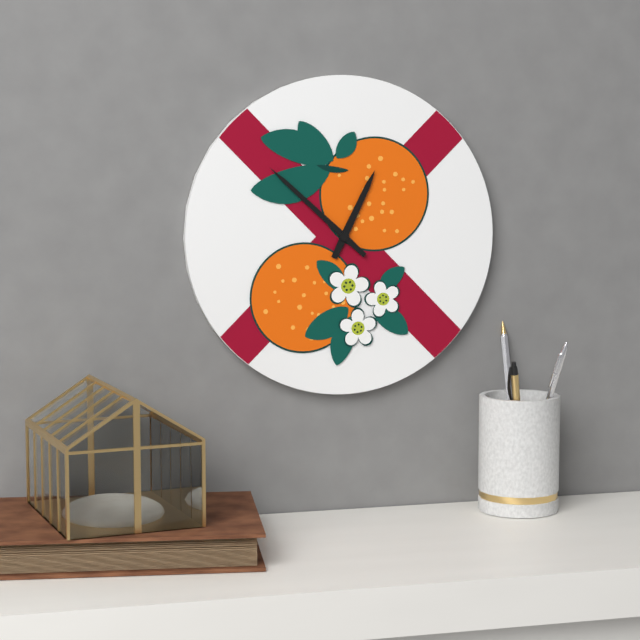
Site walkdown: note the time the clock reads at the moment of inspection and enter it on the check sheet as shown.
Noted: 12:52
